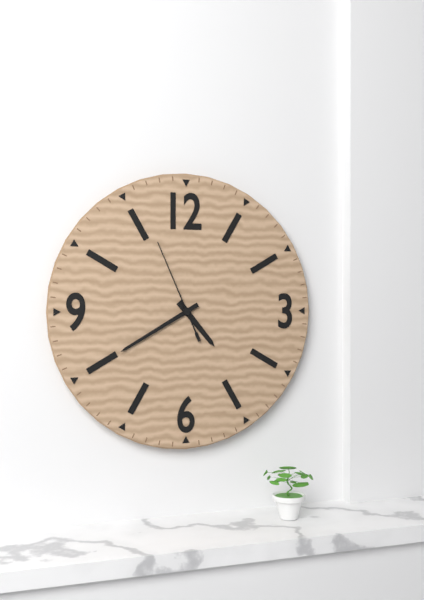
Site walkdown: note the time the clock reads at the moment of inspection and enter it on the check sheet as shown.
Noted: 4:40:56
